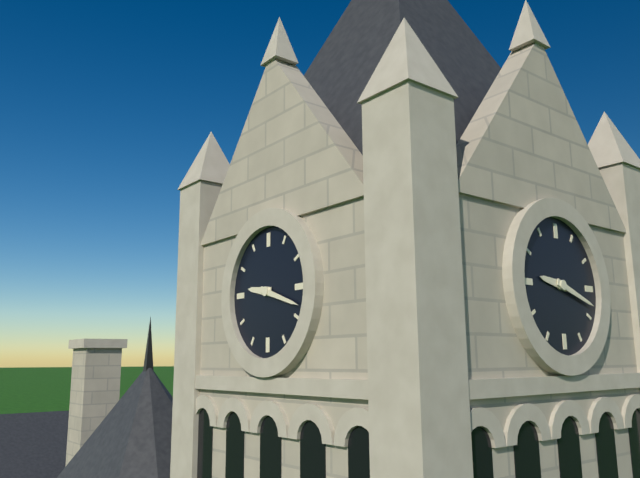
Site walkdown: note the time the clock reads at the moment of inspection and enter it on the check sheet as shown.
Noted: 9:18
